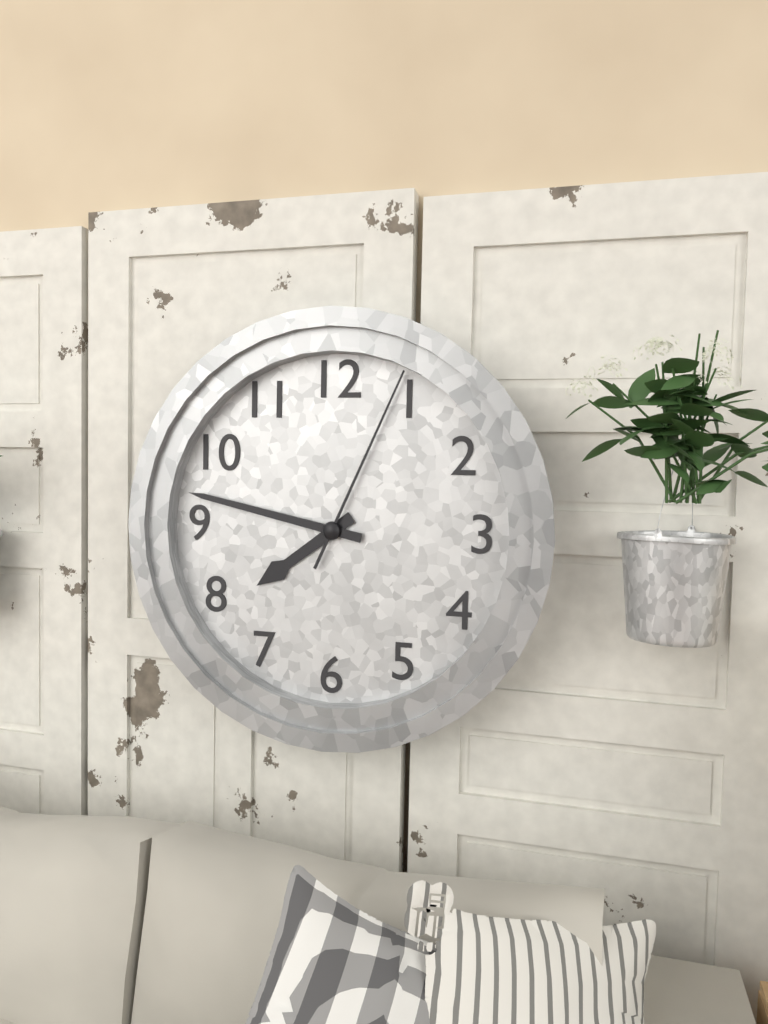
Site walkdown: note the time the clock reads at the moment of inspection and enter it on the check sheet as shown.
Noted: 7:47:04
